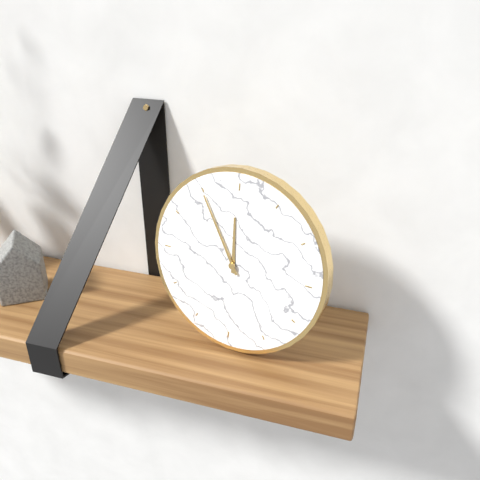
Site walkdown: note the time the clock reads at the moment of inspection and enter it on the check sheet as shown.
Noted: 11:55
